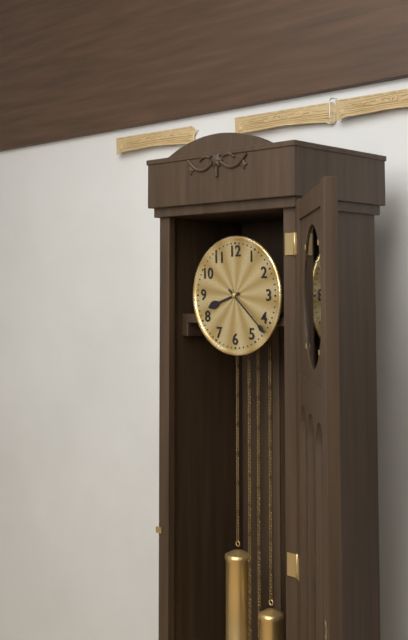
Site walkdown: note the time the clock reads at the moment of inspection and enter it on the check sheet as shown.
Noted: 8:22
